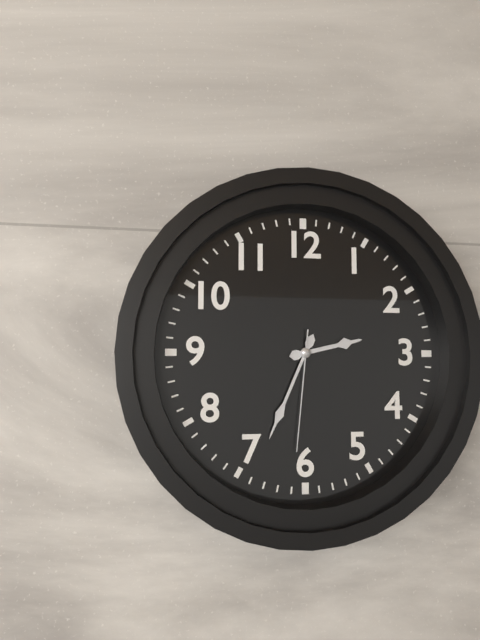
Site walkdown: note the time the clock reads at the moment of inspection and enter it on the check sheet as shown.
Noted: 2:34:31
